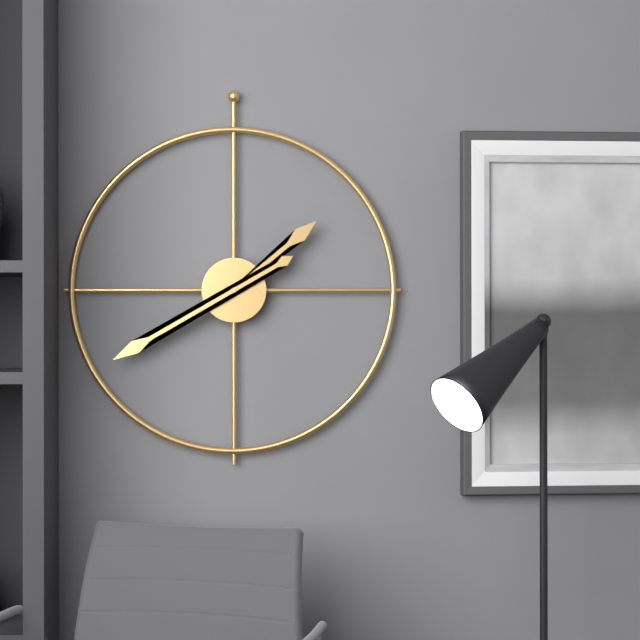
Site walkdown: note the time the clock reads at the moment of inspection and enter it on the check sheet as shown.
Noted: 1:40
